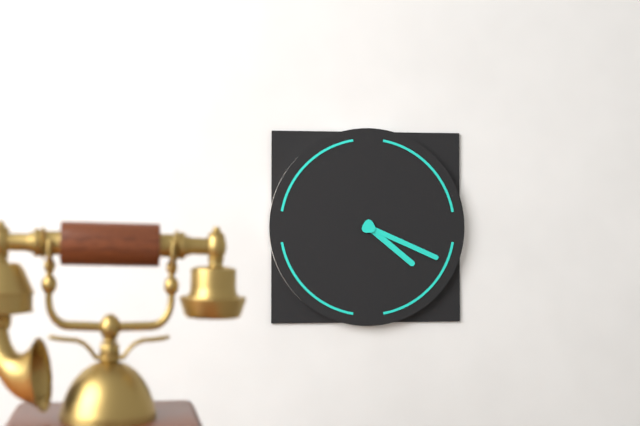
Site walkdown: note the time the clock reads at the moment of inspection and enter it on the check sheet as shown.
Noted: 4:19
